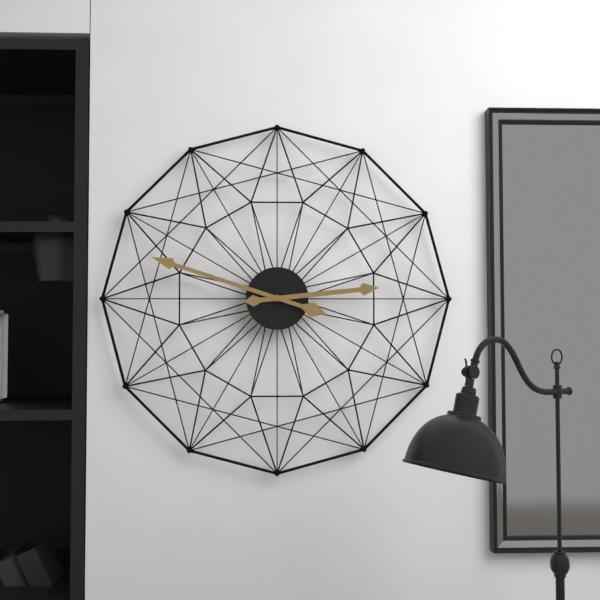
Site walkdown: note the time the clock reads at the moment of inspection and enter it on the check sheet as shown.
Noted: 2:48
